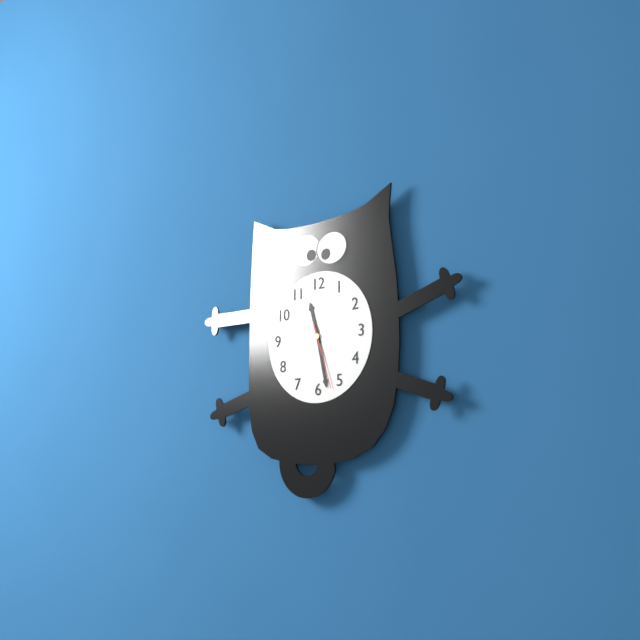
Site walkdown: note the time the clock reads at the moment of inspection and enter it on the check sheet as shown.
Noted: 11:28:27
